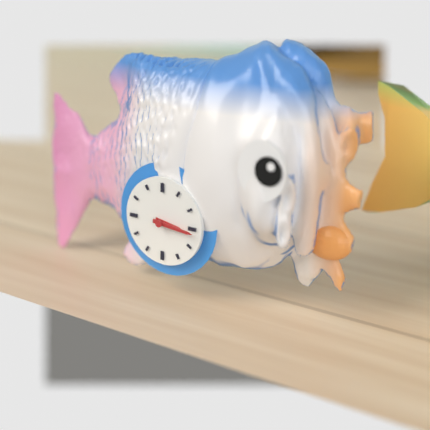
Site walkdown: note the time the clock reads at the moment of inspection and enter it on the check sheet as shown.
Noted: 3:16
